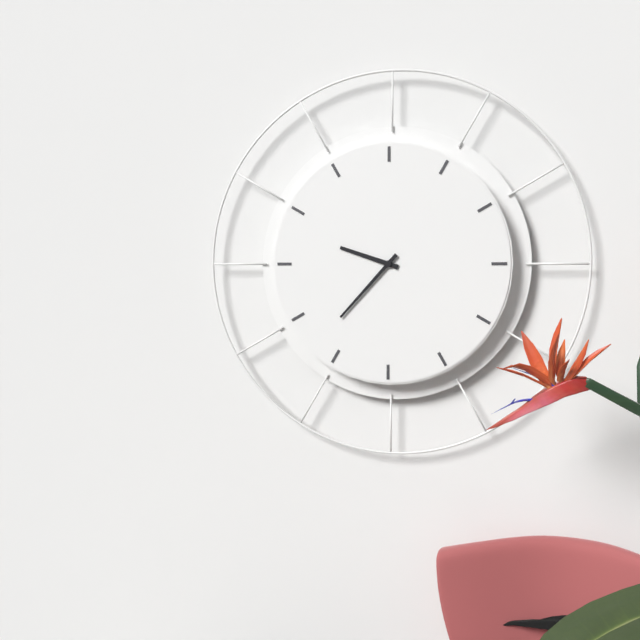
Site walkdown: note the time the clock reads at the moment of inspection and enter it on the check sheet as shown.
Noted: 9:37
